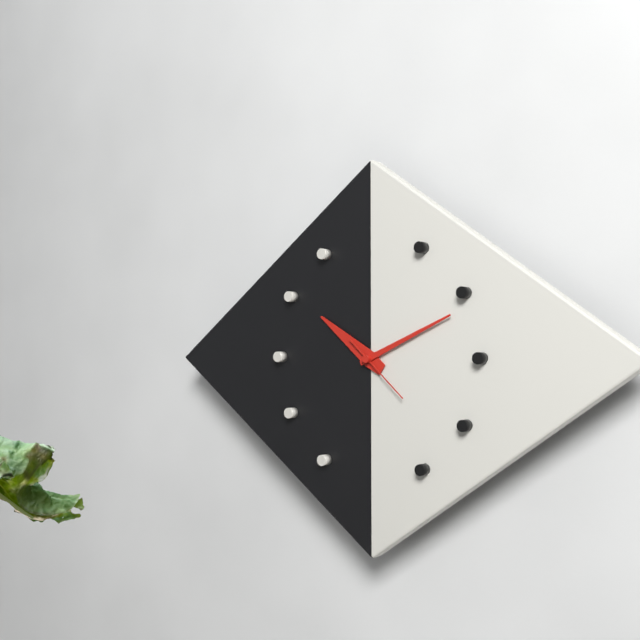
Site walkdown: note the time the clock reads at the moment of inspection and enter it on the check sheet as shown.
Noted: 10:11:22
